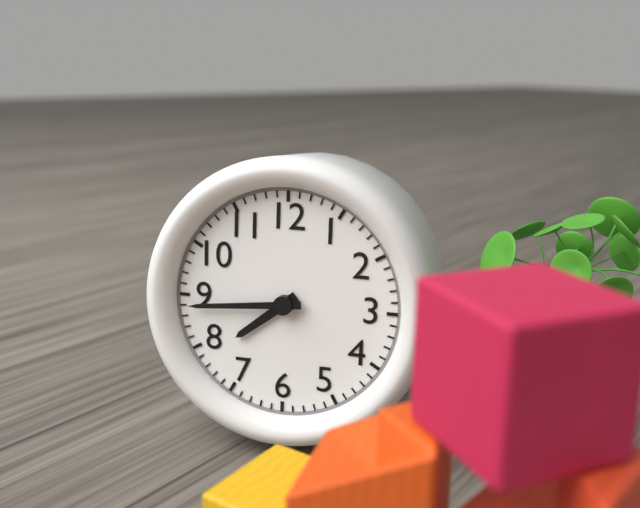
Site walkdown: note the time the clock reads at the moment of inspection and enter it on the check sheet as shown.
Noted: 7:44
